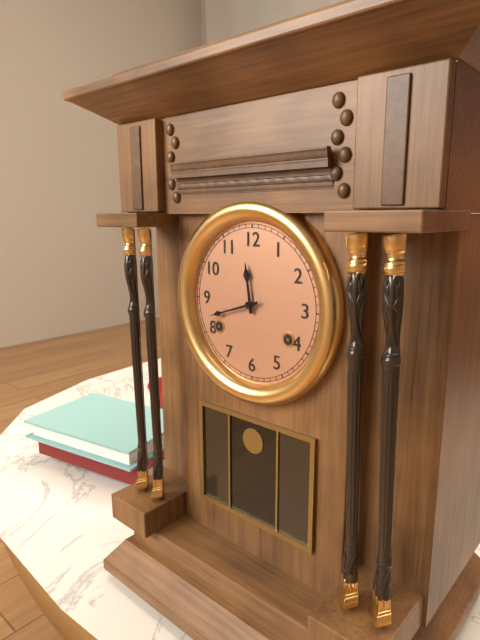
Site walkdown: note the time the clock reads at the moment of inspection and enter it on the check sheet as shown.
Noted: 11:42
